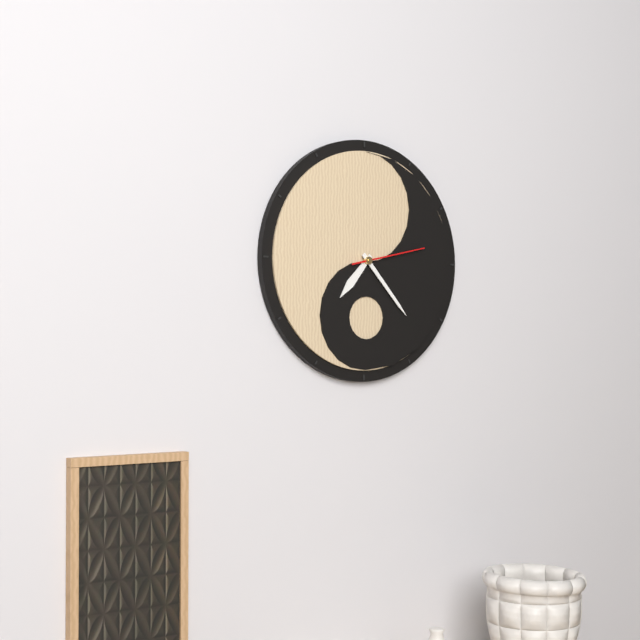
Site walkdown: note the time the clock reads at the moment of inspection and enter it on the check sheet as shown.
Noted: 7:23:13
